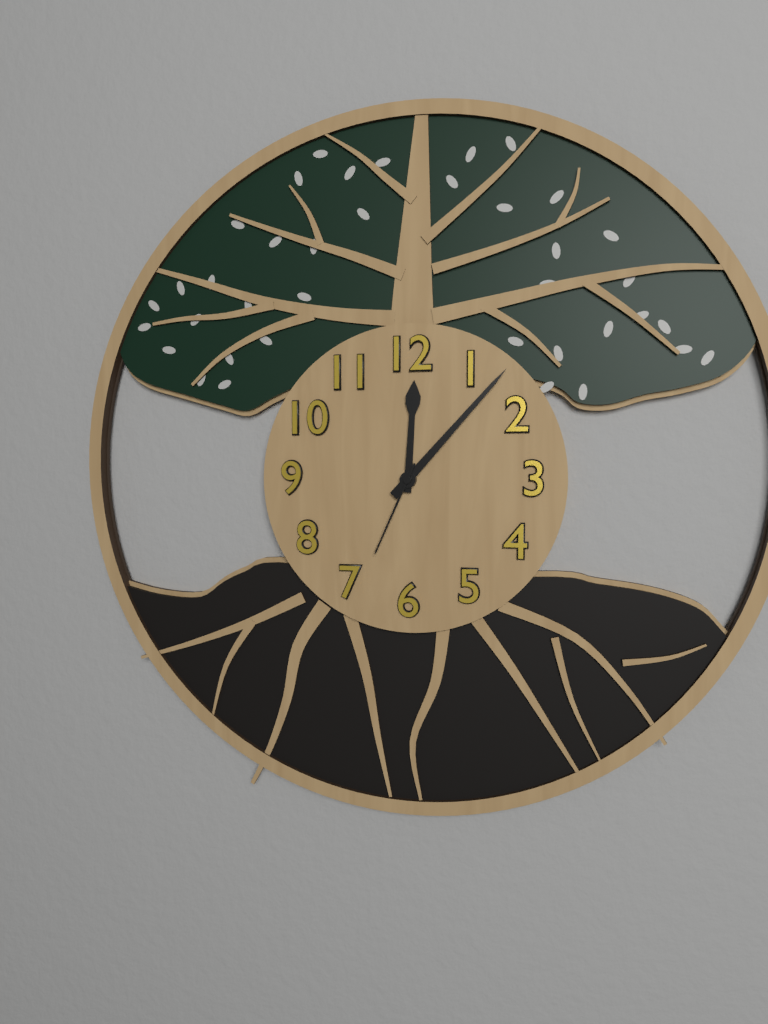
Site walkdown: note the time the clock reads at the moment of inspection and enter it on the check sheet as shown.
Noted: 12:07:34
